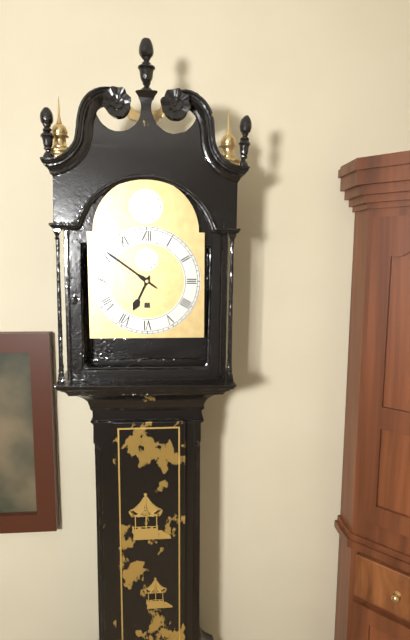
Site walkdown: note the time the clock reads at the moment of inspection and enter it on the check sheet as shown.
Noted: 6:51
